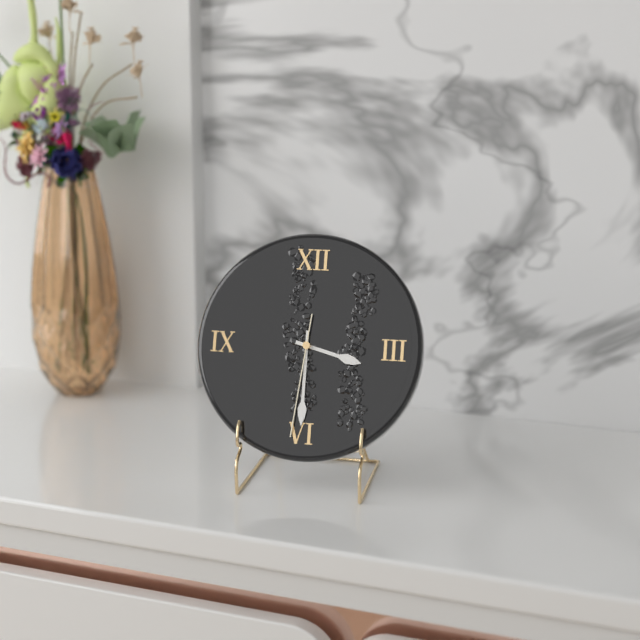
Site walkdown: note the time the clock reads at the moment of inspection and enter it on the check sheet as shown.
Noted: 3:30:31
